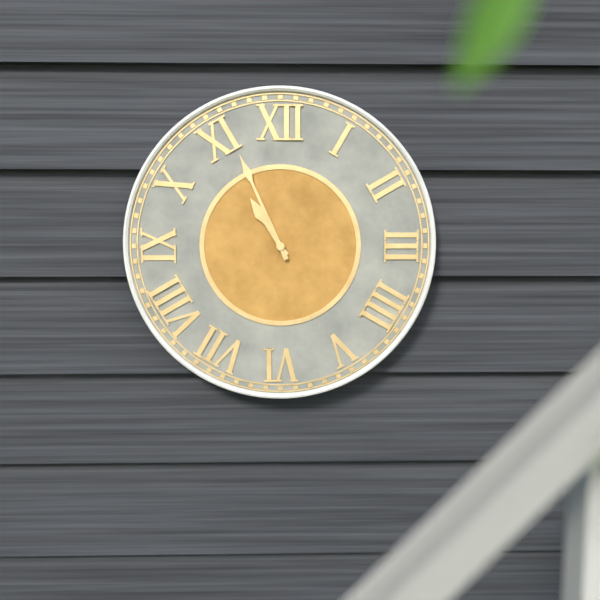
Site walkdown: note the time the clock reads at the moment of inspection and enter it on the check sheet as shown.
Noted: 10:56
